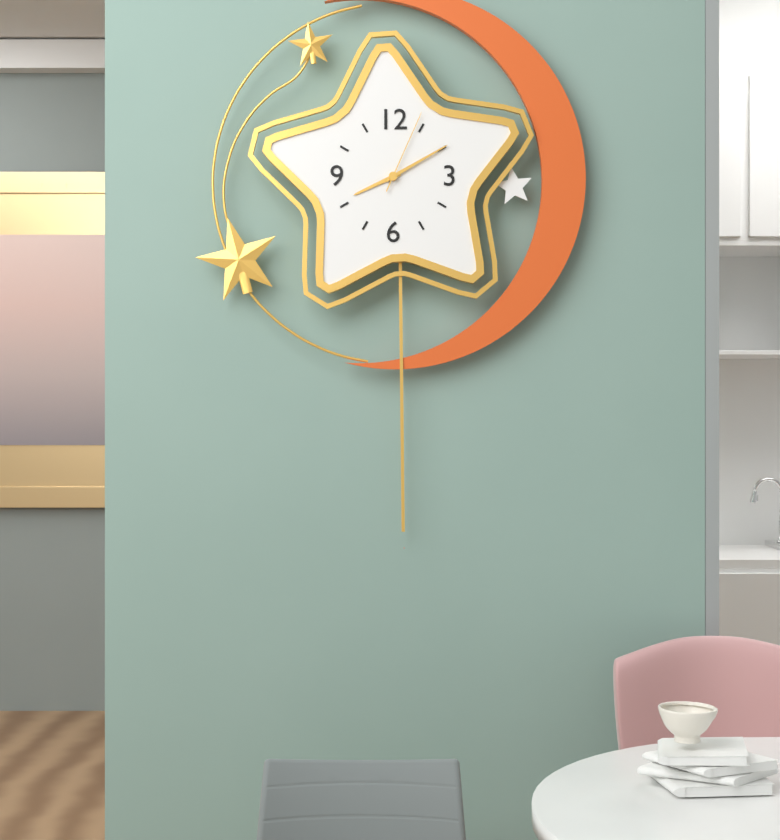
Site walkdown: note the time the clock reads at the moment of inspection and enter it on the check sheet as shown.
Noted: 8:10:04
